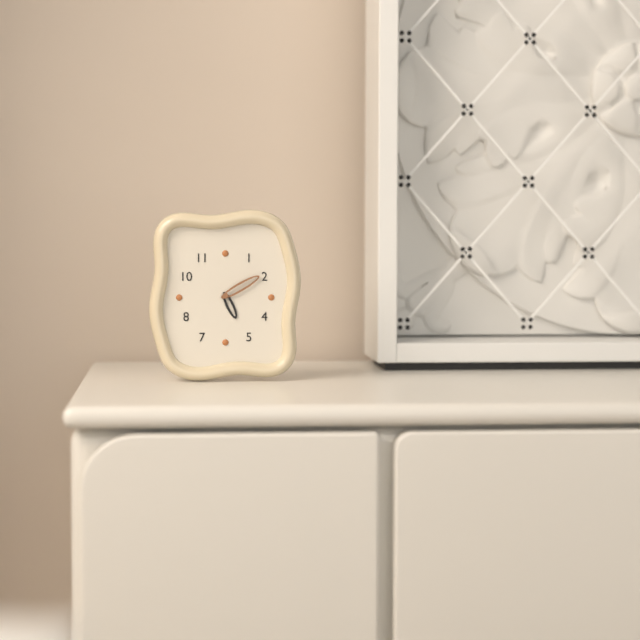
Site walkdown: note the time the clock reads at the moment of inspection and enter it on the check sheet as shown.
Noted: 5:10
